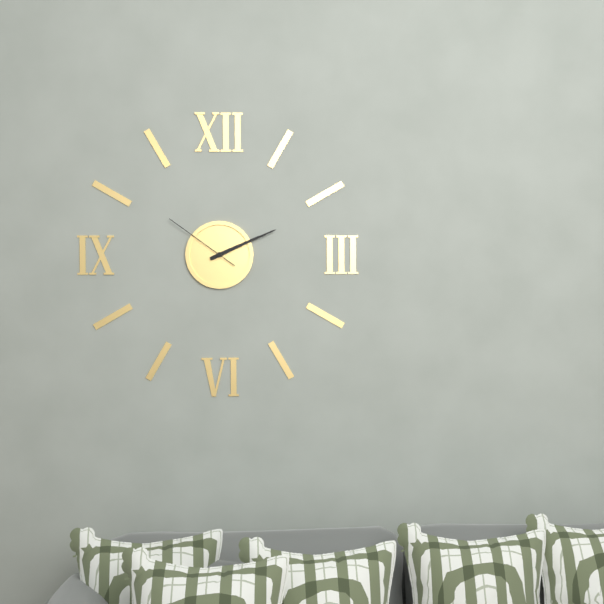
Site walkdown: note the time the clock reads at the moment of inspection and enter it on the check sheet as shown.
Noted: 2:11:51
